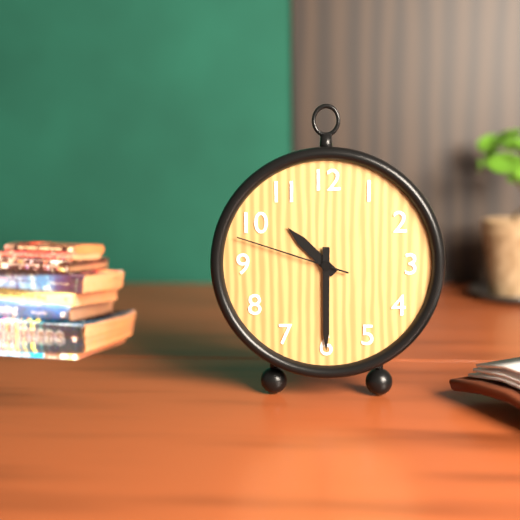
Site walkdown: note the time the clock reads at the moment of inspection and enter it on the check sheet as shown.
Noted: 10:30:48
